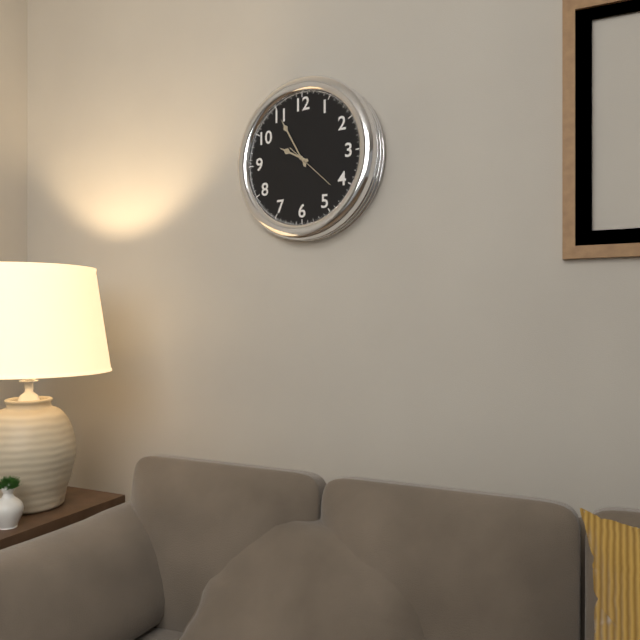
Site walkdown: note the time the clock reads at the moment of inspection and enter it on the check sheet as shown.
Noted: 9:55
